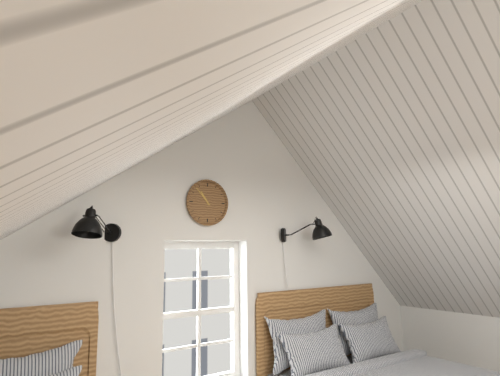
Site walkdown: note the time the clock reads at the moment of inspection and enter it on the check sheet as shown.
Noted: 10:53
